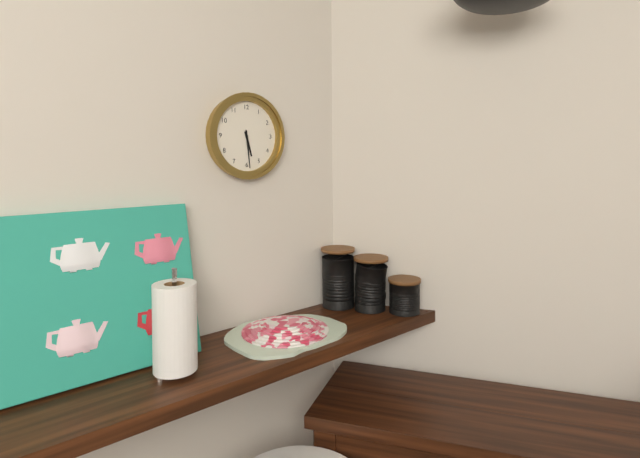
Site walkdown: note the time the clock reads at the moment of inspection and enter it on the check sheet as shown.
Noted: 5:29
